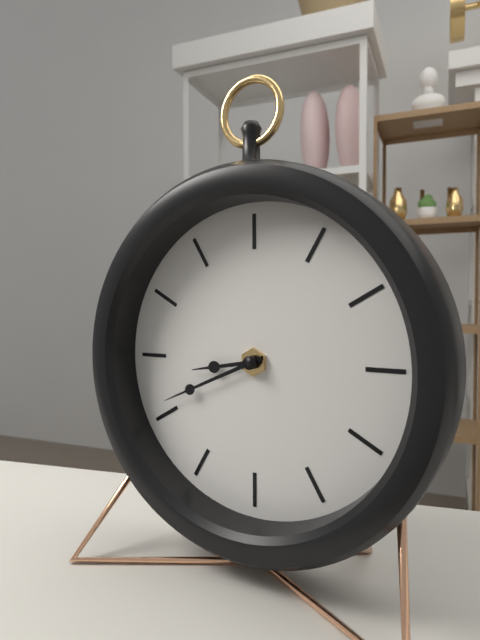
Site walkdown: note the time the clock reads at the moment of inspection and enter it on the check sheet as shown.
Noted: 8:41
